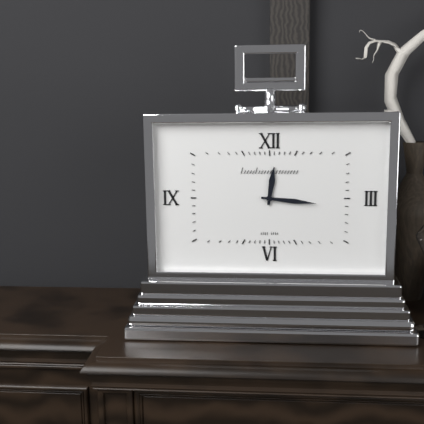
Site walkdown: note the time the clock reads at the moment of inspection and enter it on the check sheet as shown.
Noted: 12:16
